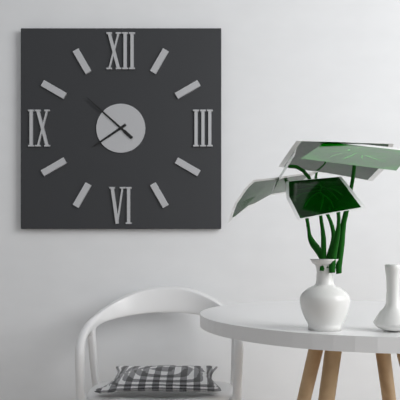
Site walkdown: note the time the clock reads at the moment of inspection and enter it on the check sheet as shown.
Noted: 7:52
